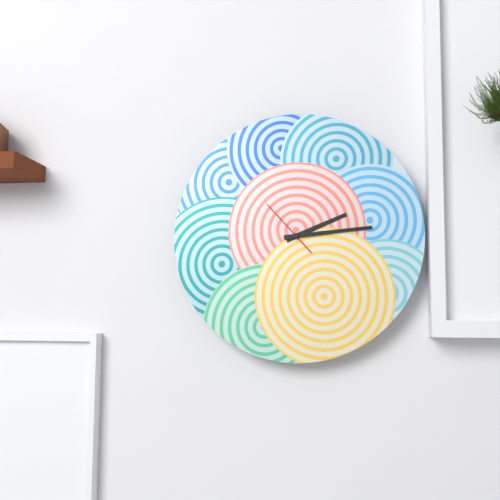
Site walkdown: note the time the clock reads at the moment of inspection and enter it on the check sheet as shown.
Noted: 2:14:53
